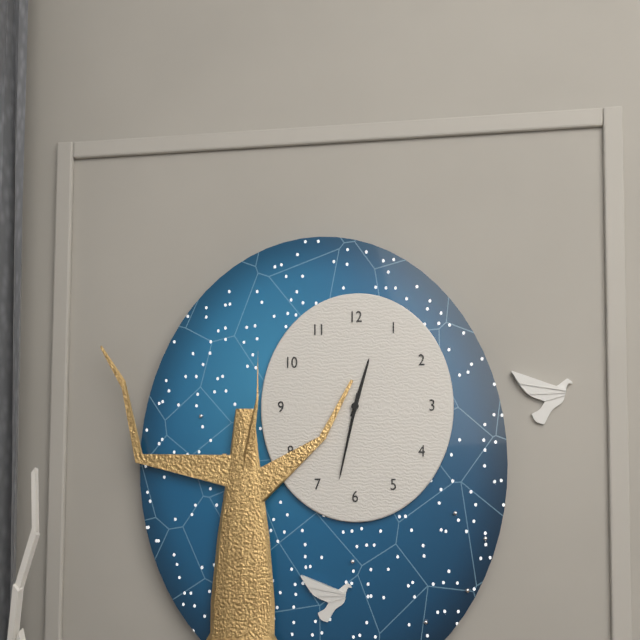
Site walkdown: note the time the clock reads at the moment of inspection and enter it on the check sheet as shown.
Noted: 12:32
